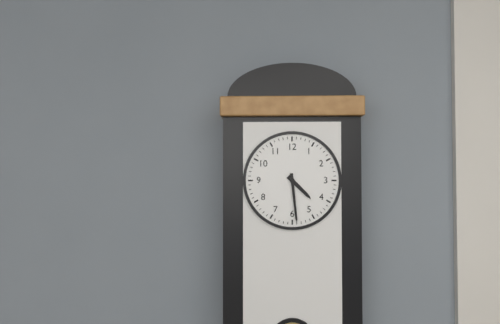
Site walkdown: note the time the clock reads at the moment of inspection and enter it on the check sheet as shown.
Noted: 4:29
